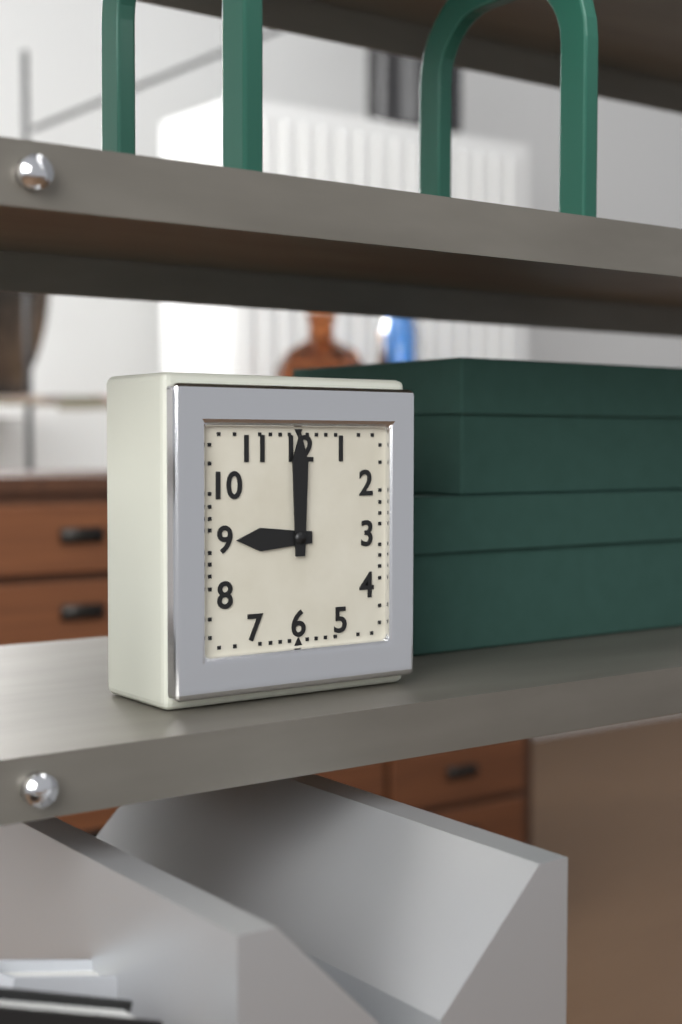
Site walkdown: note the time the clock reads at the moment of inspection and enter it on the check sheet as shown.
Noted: 9:00
